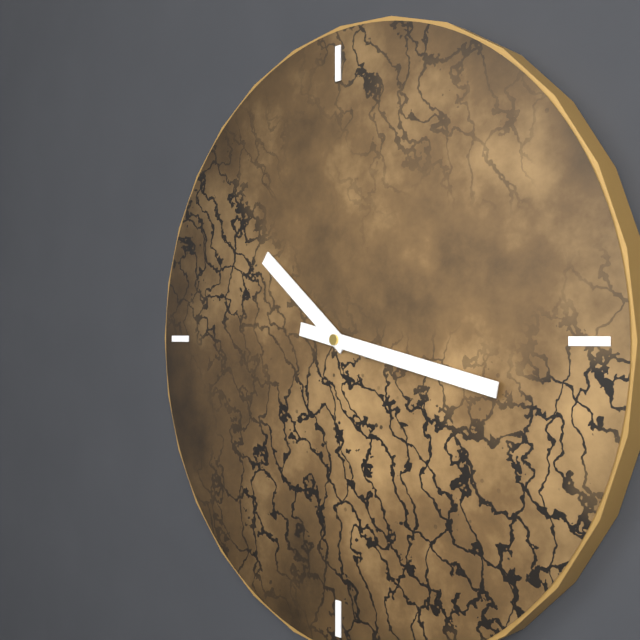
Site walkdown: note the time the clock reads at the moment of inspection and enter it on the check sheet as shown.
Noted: 10:17
